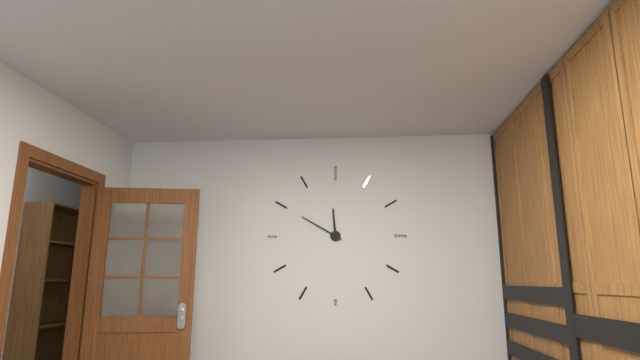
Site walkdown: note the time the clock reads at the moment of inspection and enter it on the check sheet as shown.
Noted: 11:50
